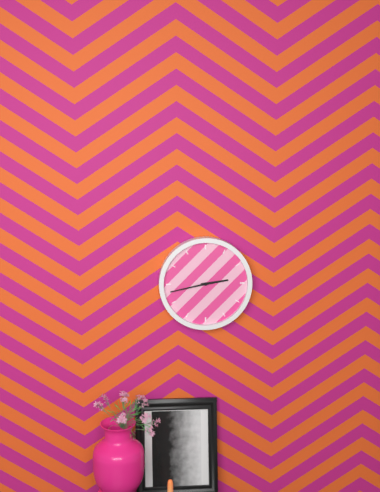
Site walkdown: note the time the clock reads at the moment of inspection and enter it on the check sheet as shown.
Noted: 2:43
